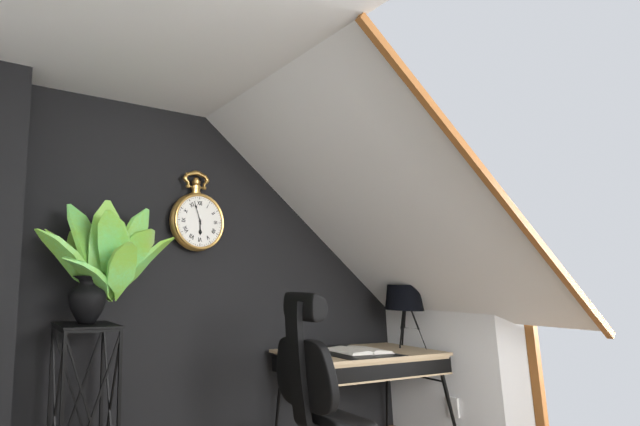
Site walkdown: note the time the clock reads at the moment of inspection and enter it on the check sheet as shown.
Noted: 5:57
